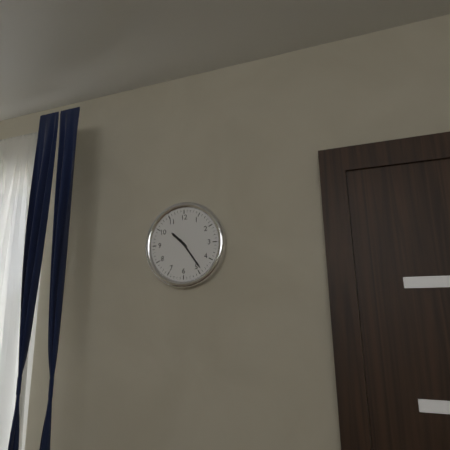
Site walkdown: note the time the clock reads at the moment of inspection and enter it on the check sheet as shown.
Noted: 10:24
